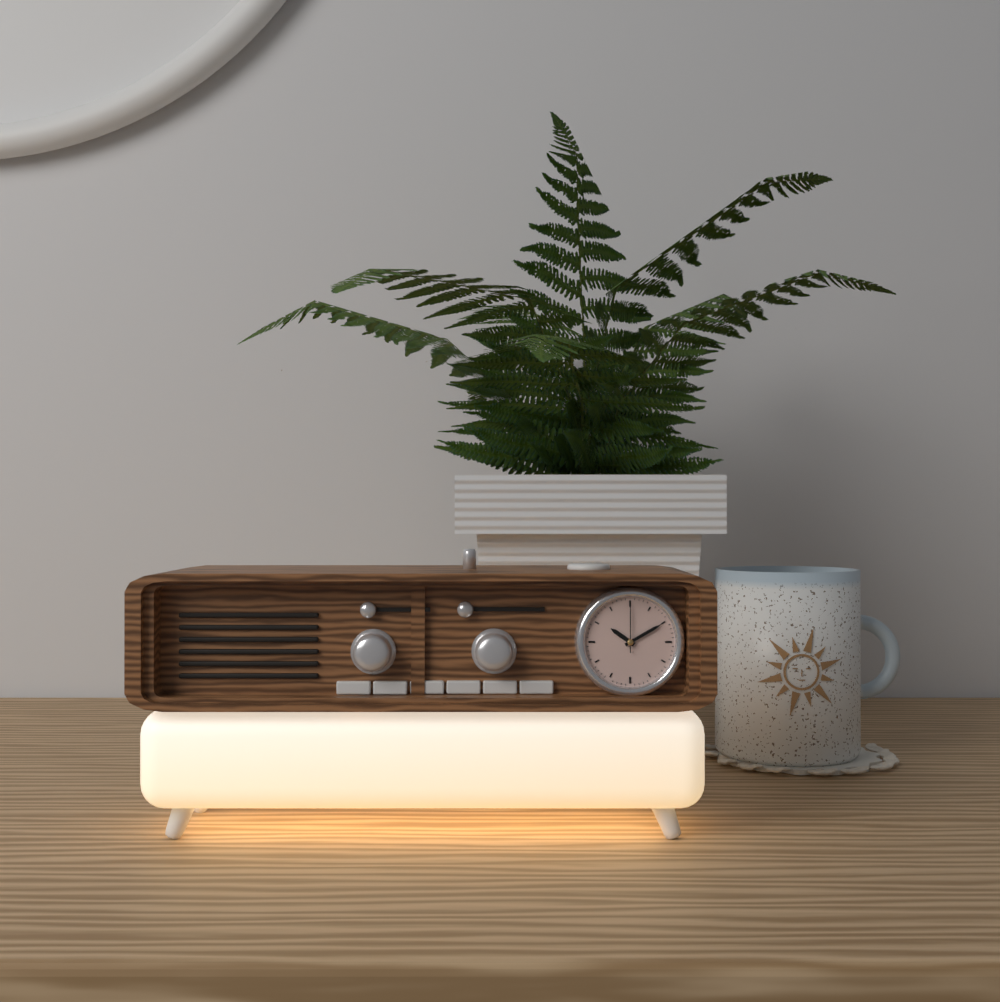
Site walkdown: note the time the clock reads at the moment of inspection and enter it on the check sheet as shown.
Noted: 10:10
